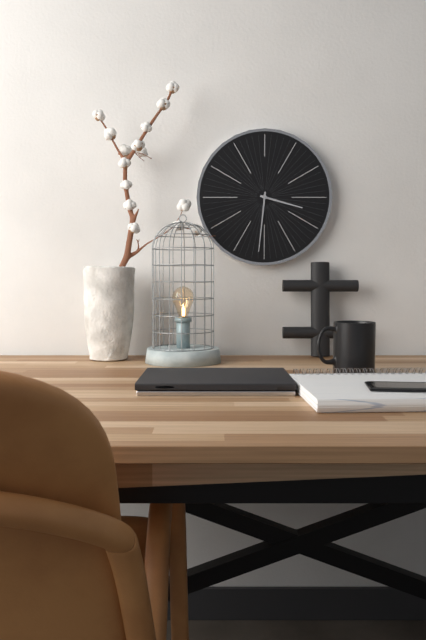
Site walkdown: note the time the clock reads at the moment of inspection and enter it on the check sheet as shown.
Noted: 3:31
